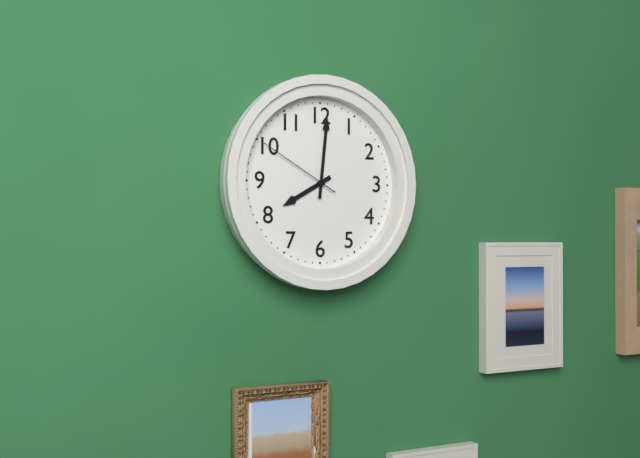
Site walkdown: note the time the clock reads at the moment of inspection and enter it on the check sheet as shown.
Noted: 8:01:50
